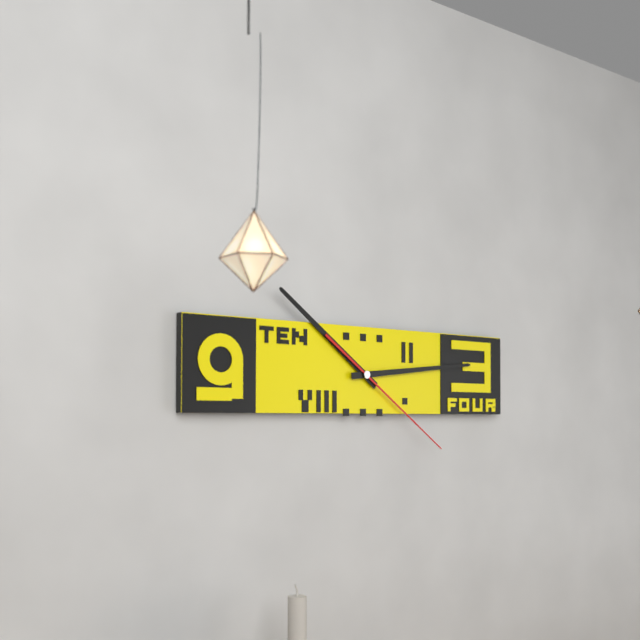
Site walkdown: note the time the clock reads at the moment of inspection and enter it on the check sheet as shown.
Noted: 10:14:21
